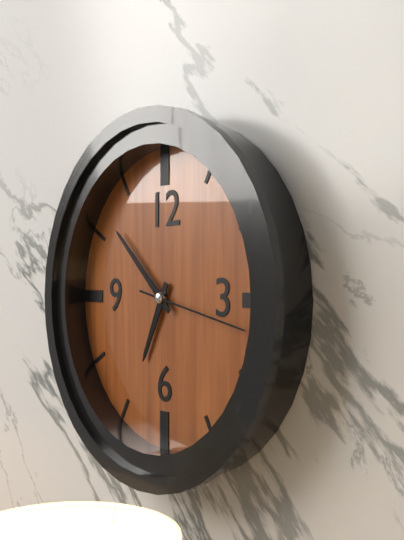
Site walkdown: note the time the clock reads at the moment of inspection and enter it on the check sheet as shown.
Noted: 6:52:17
